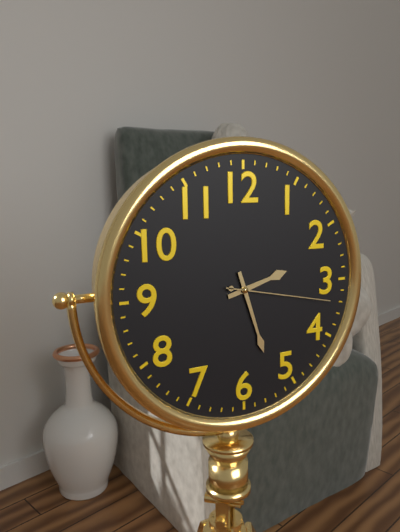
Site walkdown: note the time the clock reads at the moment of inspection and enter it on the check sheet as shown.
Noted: 2:27:17
